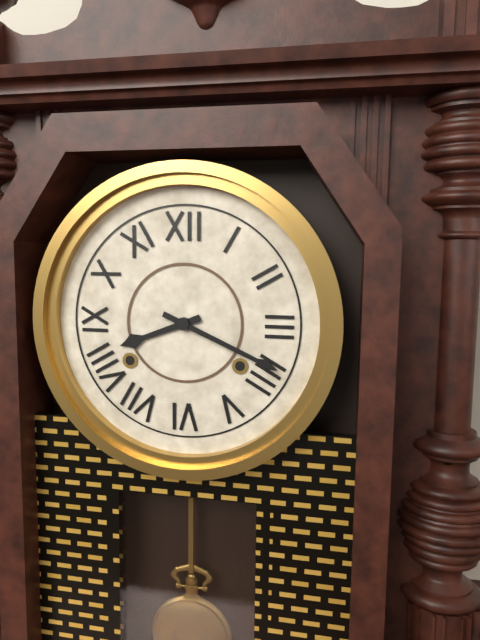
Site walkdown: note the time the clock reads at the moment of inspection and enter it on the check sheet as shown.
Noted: 8:19
